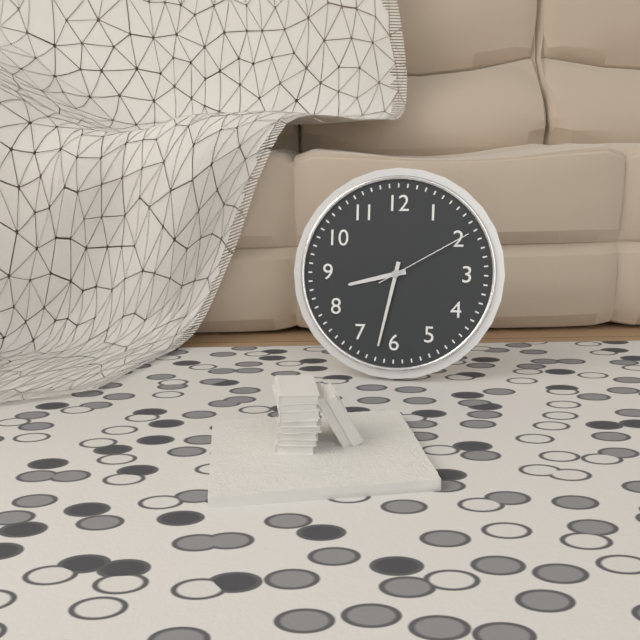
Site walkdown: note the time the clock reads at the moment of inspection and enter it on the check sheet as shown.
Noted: 8:32:10
